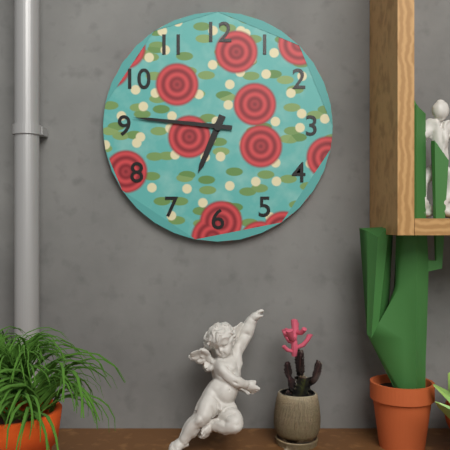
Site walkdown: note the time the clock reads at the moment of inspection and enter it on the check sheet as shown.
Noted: 6:46
